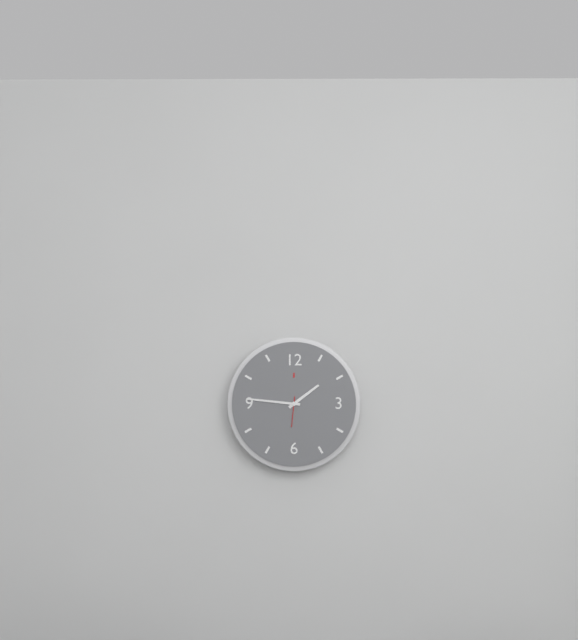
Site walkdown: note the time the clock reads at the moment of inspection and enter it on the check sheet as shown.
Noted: 1:46
